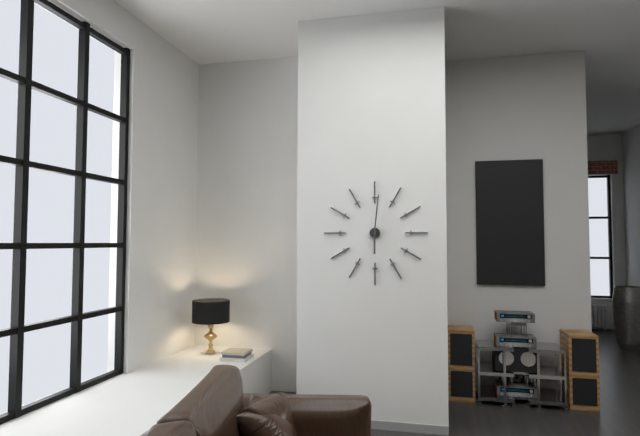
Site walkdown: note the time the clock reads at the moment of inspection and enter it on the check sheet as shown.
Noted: 6:01
